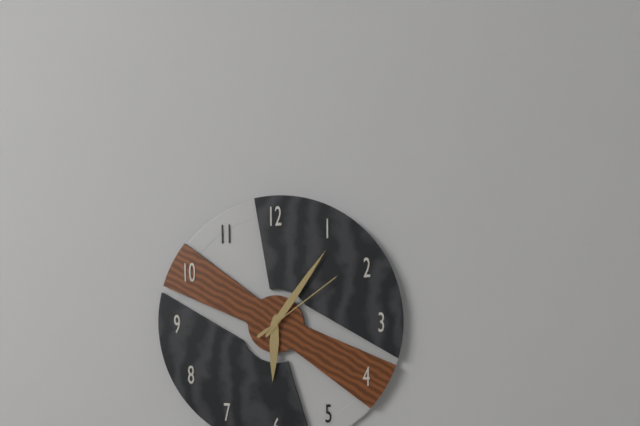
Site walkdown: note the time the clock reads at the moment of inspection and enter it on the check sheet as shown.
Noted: 6:06:09
